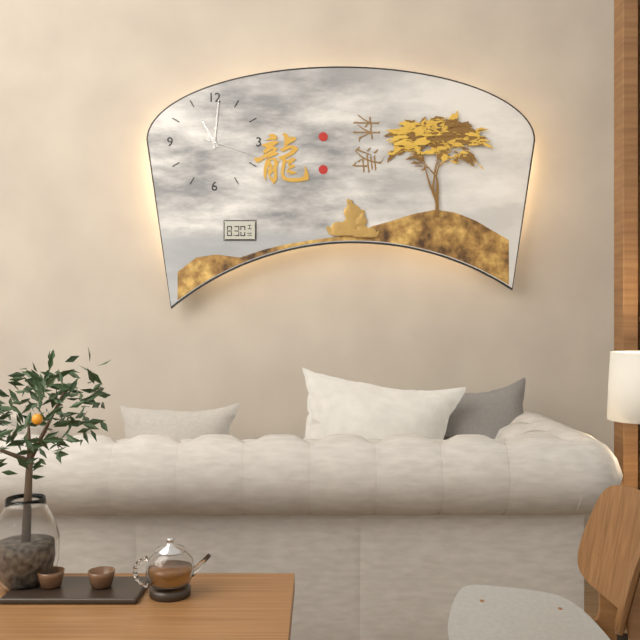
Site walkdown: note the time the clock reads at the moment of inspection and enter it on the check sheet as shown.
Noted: 11:01:18
